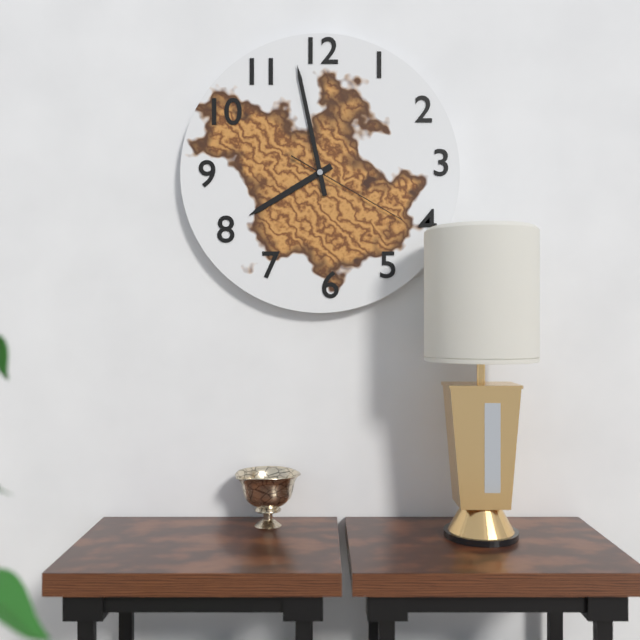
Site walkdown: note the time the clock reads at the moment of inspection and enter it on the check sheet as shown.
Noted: 7:58:20
